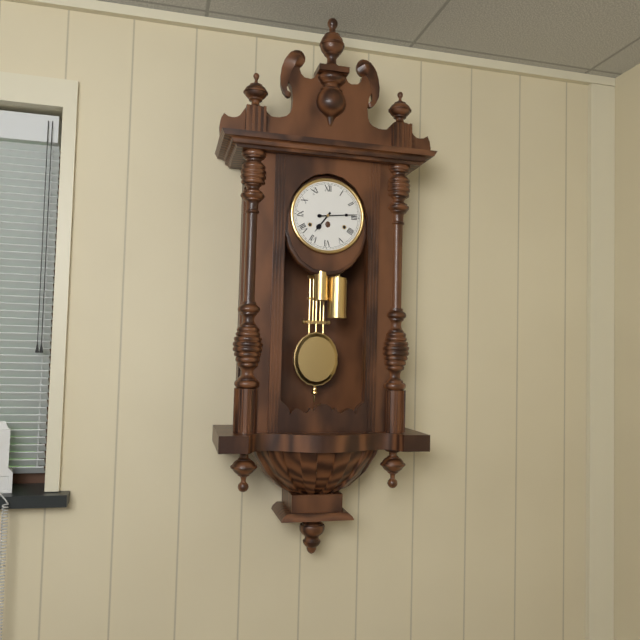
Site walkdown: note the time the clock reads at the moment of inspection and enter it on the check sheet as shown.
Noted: 7:14
